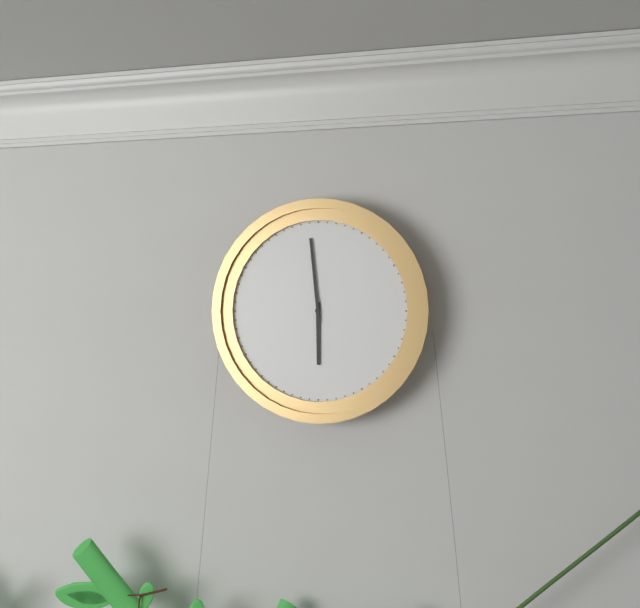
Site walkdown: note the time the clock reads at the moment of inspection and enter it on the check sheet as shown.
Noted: 5:59
